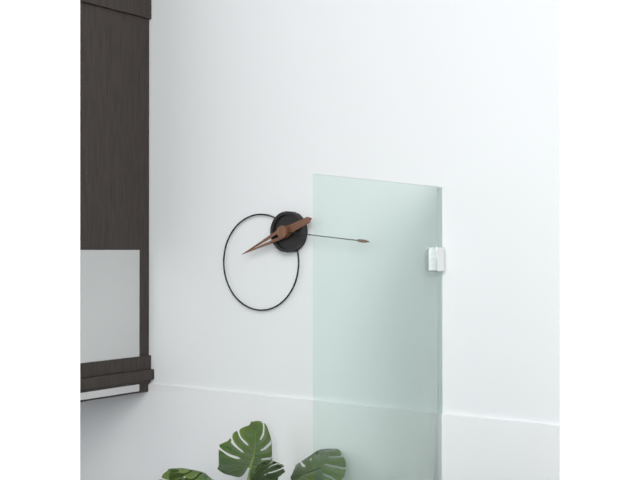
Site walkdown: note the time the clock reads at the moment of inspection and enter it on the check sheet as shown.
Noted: 8:16
